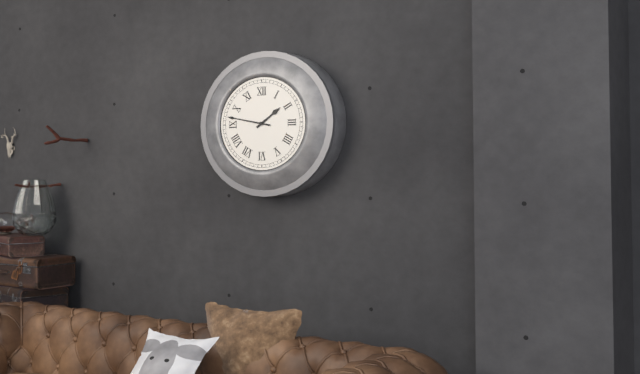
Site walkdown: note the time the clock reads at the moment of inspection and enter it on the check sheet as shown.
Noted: 1:47
